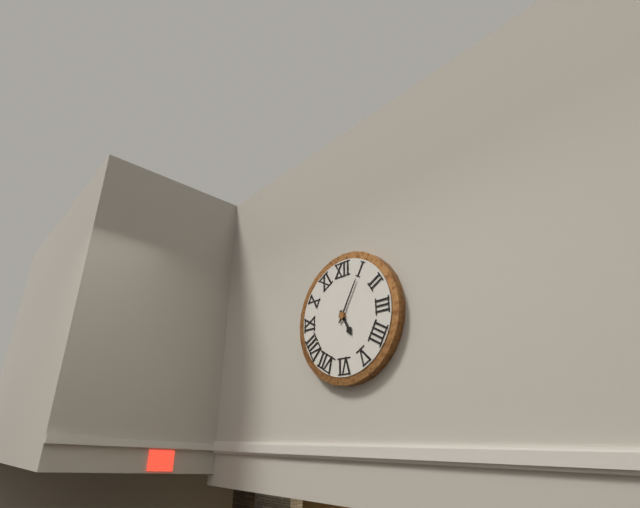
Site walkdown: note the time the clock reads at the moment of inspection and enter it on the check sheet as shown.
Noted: 5:05
